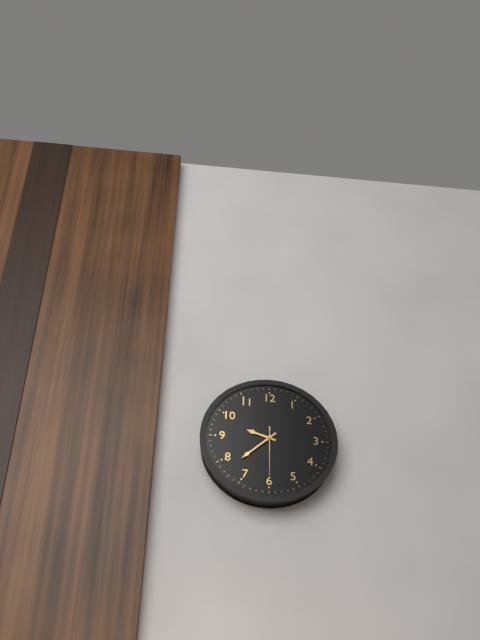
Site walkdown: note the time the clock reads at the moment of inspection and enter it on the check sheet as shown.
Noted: 9:38
